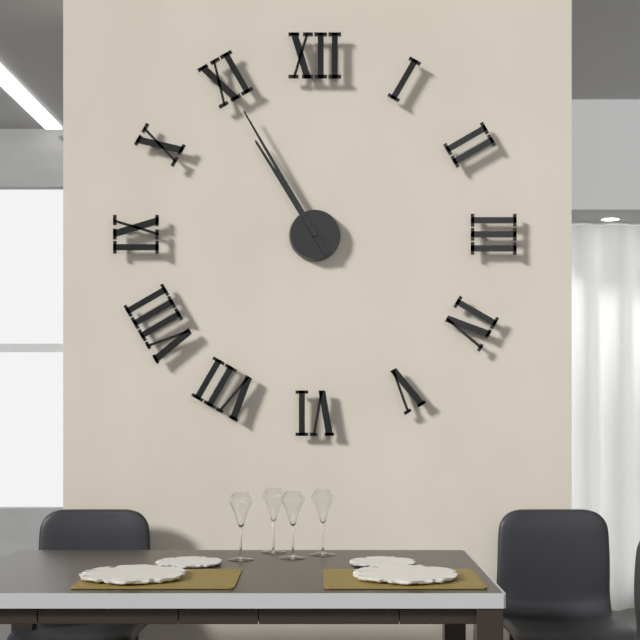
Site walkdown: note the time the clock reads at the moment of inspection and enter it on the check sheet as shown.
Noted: 10:55
